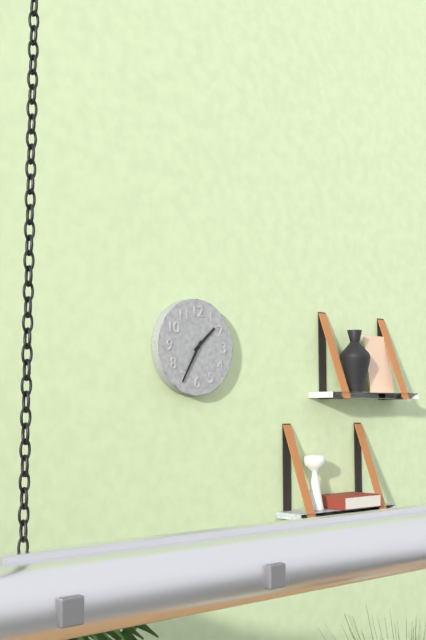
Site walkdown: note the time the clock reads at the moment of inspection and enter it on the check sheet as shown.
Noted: 1:35
